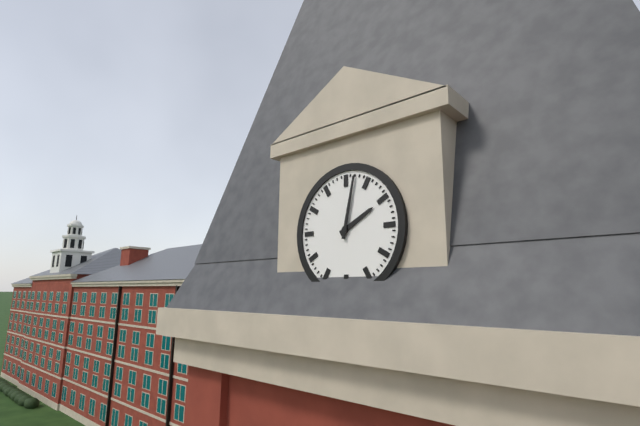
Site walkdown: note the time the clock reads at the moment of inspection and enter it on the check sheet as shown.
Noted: 2:02
